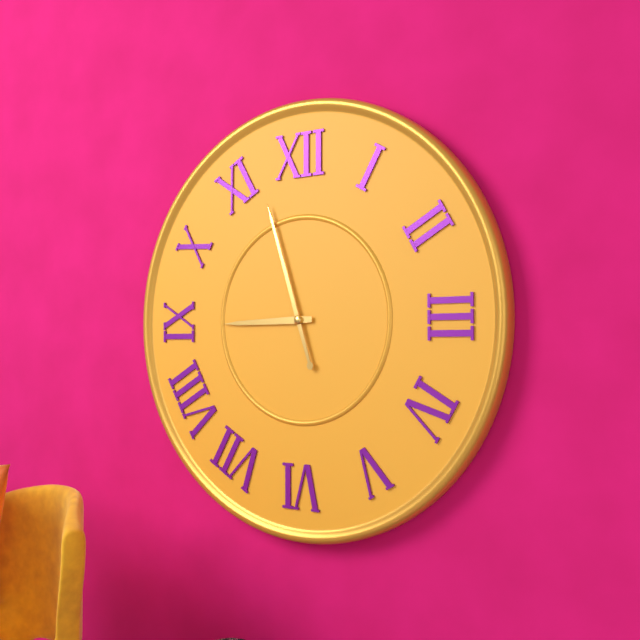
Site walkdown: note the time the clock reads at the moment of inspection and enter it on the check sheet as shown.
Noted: 8:57
